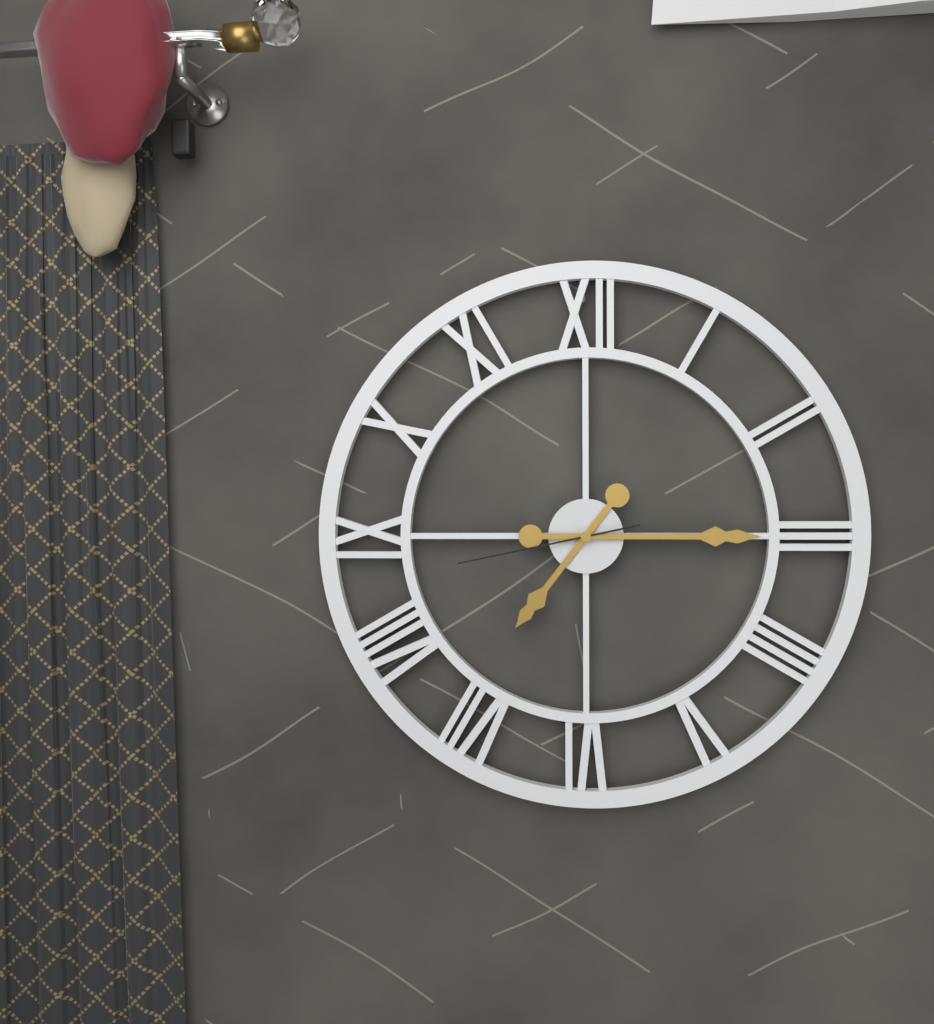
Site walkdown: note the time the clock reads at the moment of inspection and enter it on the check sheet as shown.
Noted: 7:15:43
